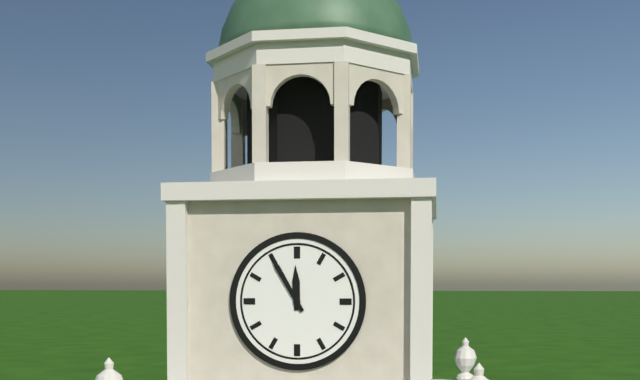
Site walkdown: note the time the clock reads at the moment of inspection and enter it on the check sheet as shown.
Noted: 11:55
